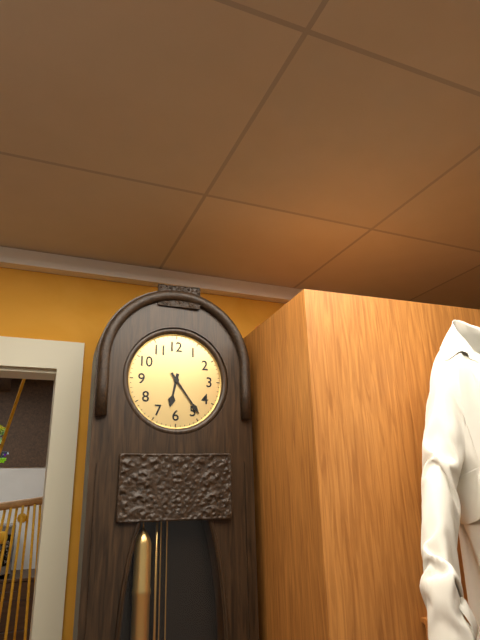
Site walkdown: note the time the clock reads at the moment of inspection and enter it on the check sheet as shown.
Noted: 6:24
